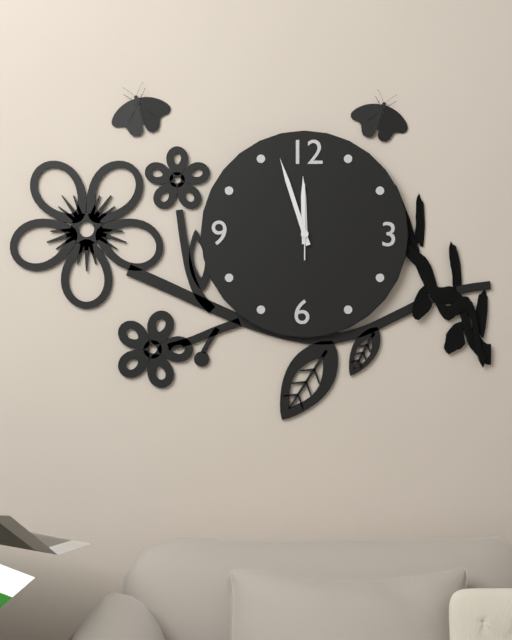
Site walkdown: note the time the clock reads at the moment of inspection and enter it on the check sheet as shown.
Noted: 11:57:00
